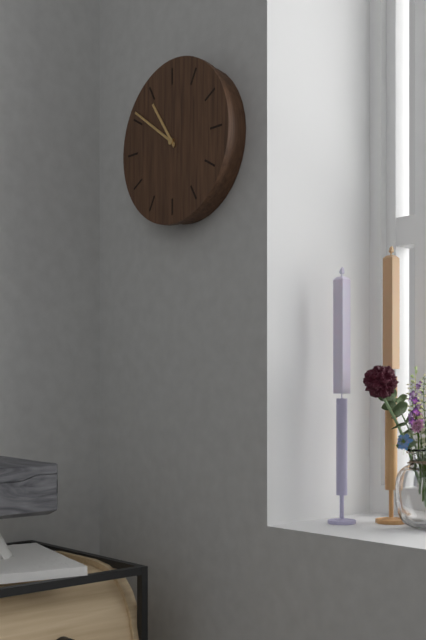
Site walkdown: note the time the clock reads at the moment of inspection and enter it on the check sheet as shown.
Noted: 10:51
